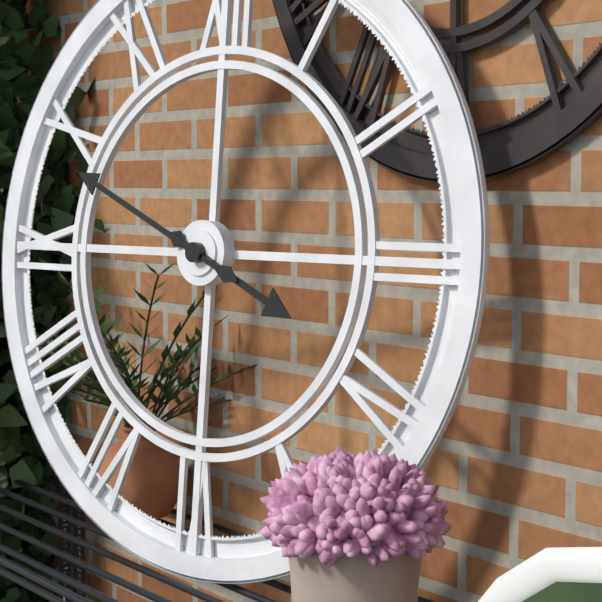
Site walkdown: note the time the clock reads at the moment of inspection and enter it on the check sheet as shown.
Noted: 3:49
